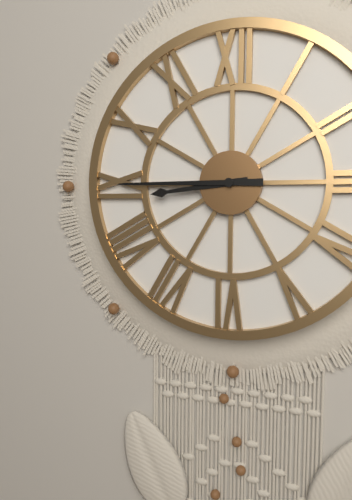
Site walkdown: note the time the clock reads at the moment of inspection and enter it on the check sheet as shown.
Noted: 8:45
